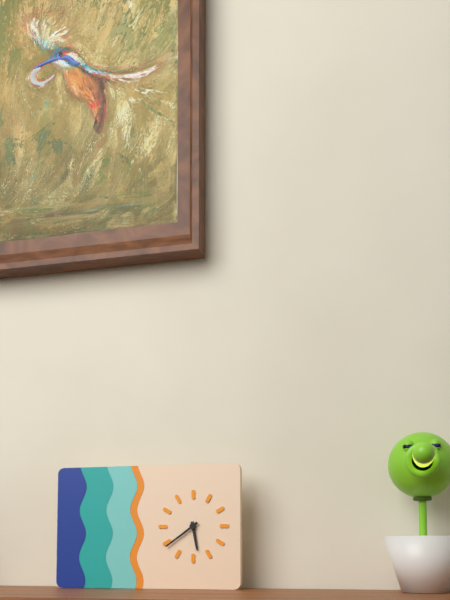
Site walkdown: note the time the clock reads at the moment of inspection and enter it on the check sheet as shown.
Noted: 5:39
